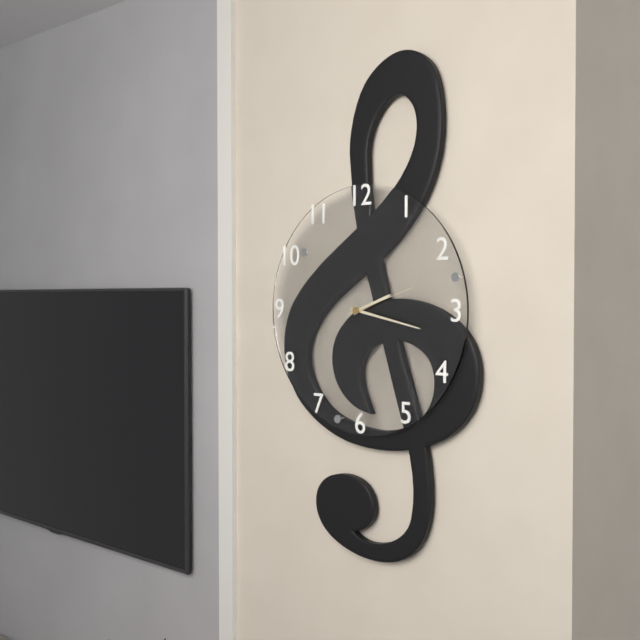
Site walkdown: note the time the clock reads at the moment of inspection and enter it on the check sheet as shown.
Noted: 2:17:12
